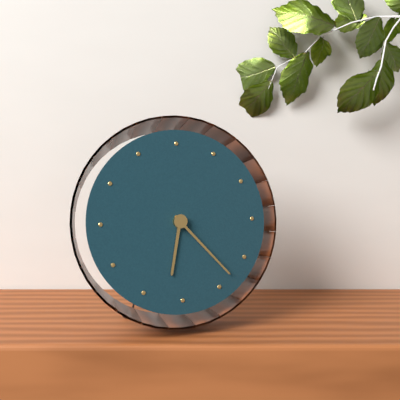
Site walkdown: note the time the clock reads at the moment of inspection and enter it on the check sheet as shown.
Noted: 6:23
